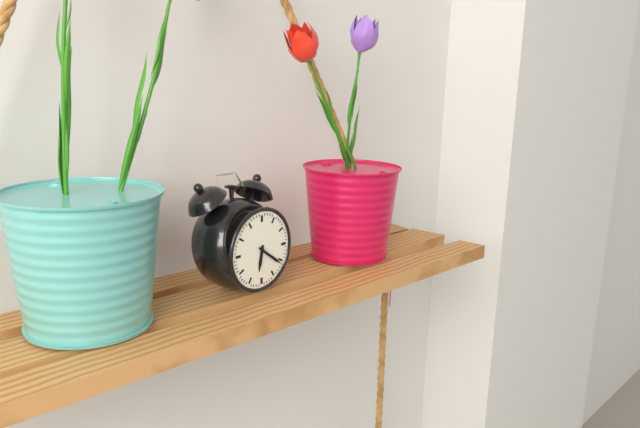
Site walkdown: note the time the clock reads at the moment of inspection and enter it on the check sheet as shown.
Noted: 6:21
